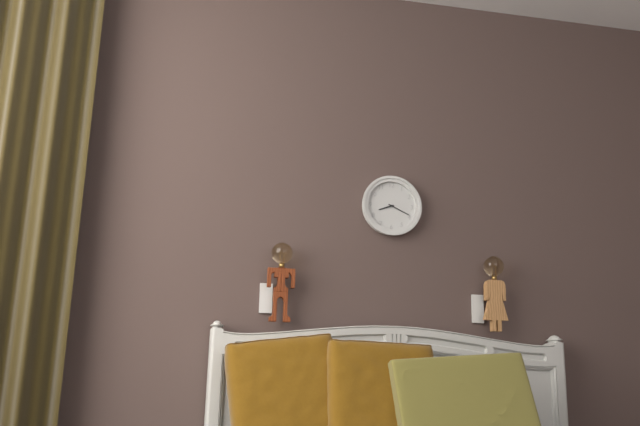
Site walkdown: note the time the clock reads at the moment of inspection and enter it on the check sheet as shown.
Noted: 8:19
